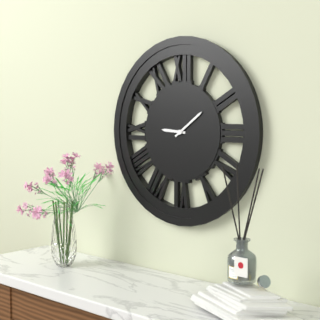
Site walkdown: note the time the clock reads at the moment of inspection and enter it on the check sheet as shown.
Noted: 9:09
